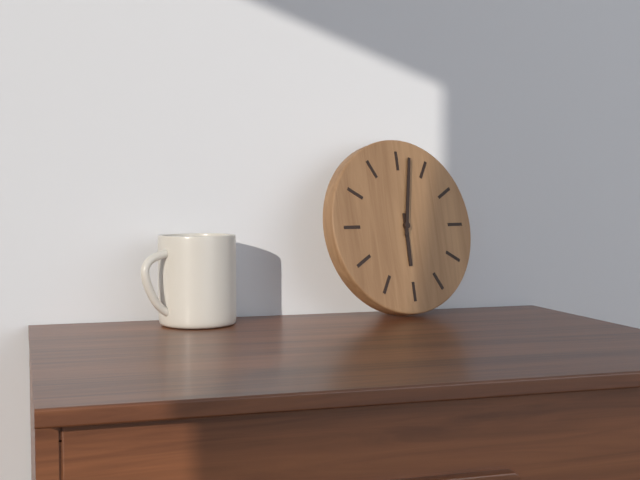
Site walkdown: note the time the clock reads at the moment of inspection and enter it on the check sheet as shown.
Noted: 6:02
